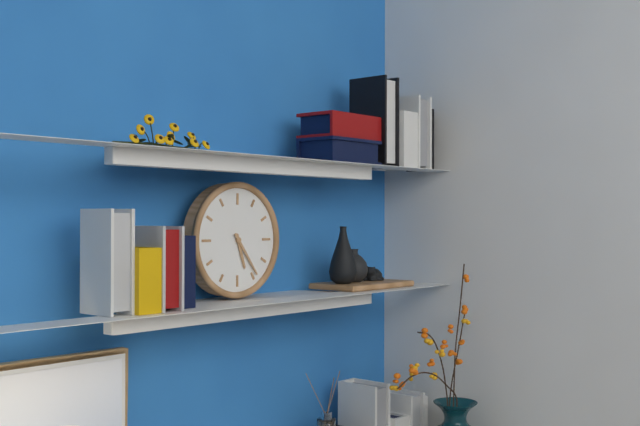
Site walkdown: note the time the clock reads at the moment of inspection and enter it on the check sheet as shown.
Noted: 5:24
